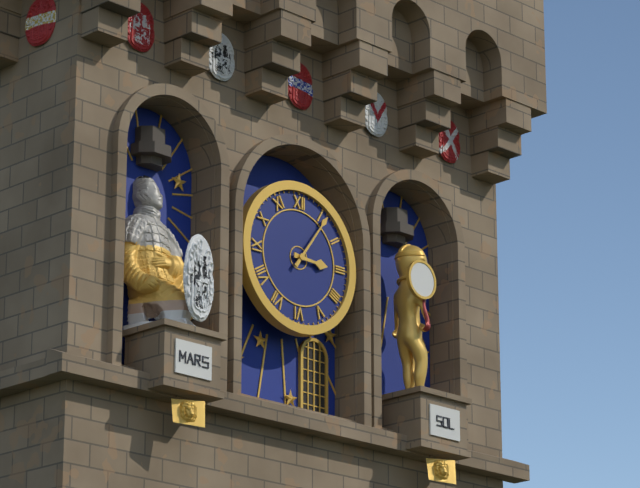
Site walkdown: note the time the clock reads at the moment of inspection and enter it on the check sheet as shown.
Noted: 3:06
